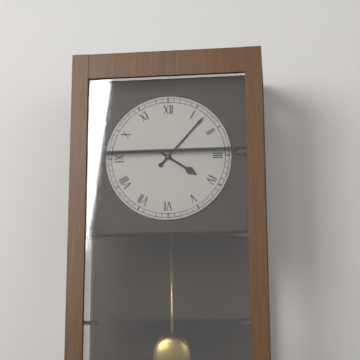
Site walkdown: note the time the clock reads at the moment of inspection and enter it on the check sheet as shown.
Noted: 4:07
